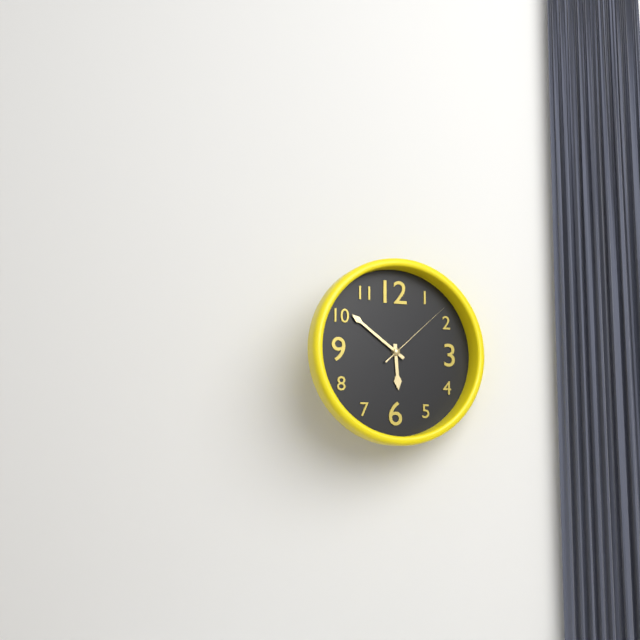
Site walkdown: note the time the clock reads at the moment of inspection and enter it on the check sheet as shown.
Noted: 5:51:08
